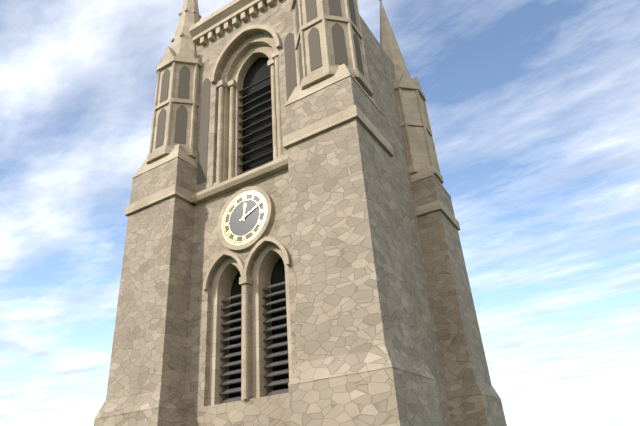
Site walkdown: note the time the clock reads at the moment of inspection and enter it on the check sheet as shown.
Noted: 12:11
